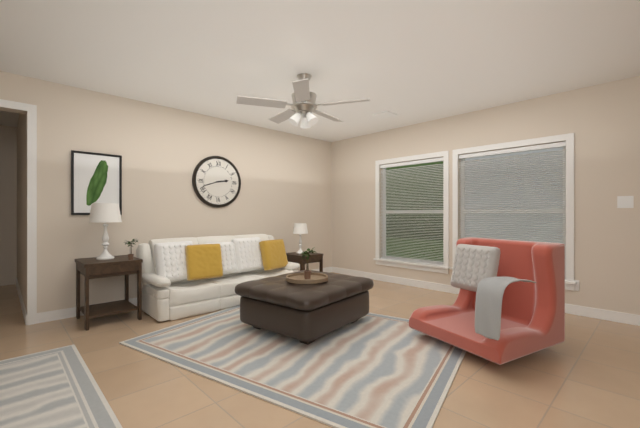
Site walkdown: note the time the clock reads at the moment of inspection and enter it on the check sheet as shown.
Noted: 2:42
